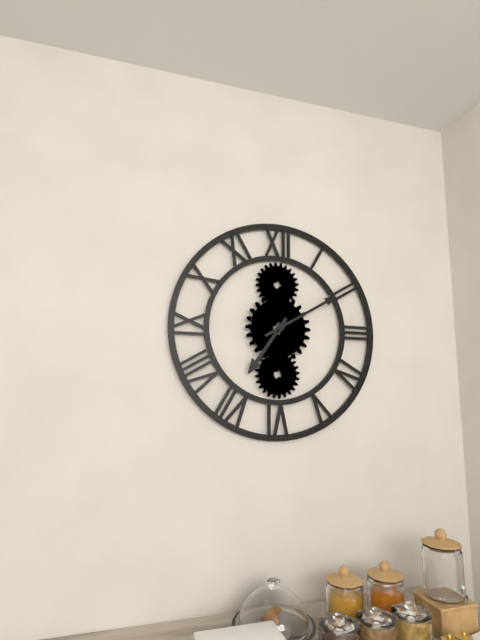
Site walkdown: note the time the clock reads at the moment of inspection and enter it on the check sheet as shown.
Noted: 7:10
